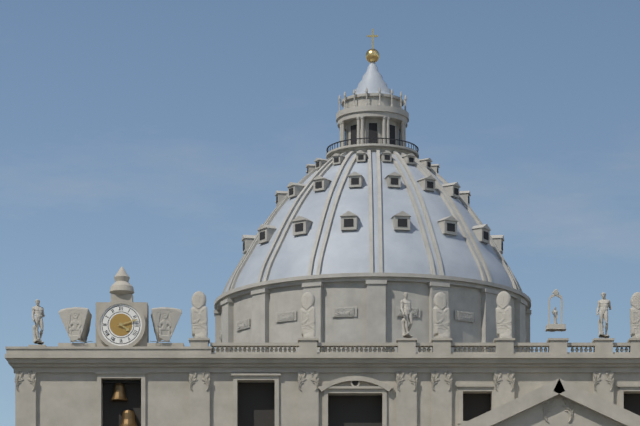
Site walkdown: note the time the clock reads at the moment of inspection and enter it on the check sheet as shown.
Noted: 4:12
